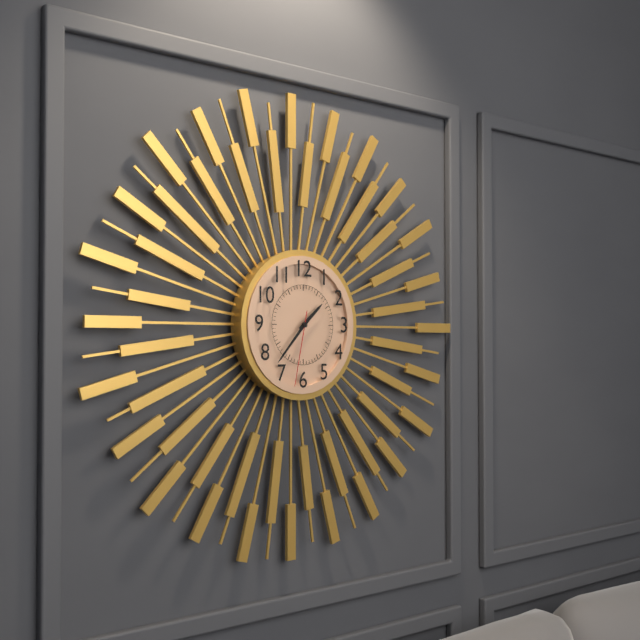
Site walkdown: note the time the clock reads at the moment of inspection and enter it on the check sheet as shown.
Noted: 1:37:32
